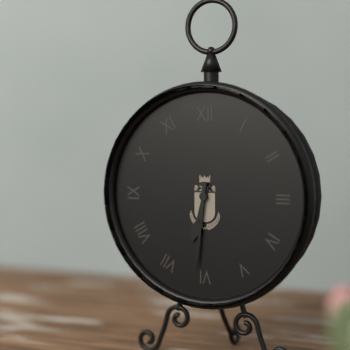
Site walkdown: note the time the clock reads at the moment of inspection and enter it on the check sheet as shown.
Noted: 6:31
